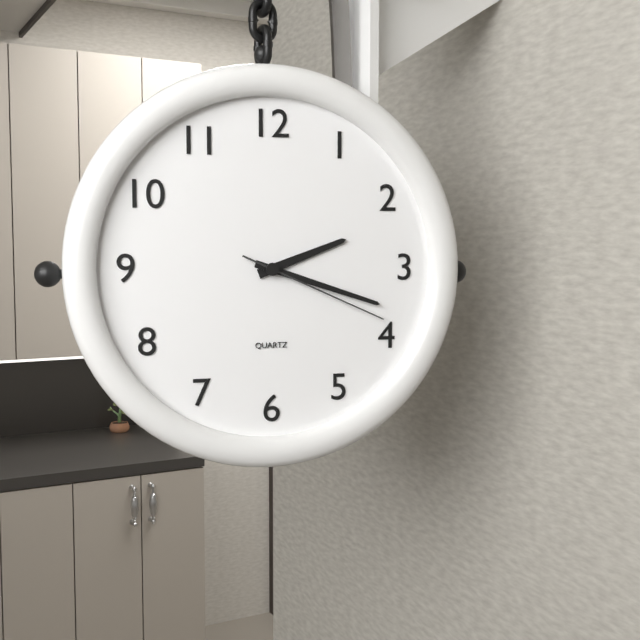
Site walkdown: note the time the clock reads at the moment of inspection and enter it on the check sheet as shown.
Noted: 2:18:19
